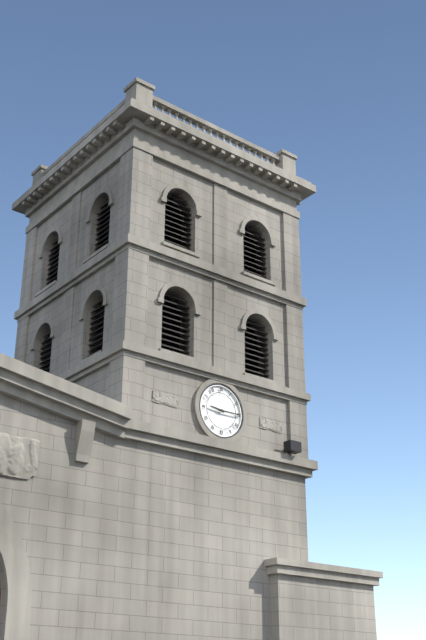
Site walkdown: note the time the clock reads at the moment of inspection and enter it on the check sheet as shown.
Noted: 9:15
